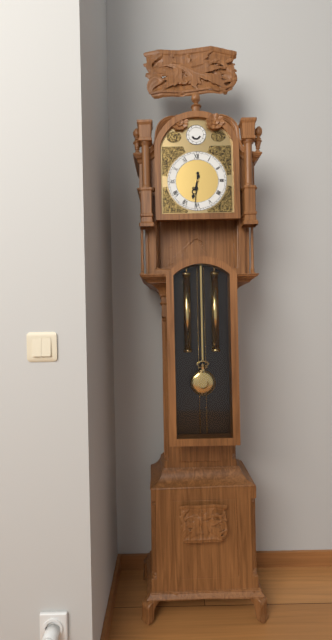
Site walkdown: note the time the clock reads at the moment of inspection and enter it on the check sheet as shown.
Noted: 6:31
